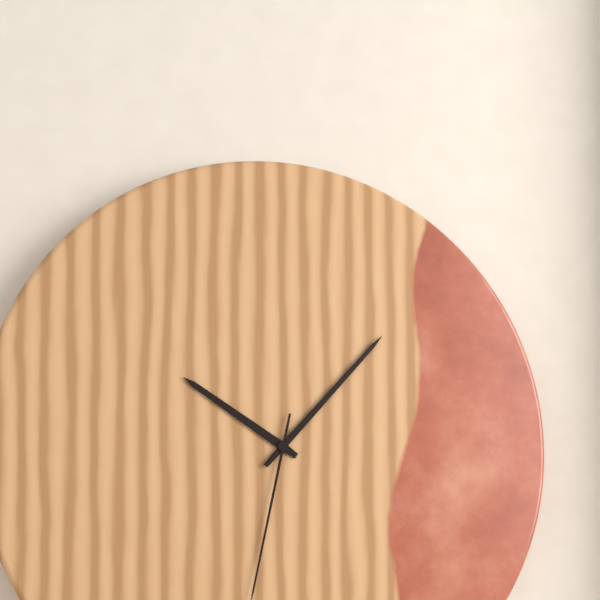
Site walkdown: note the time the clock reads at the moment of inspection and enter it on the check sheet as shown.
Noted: 10:07
